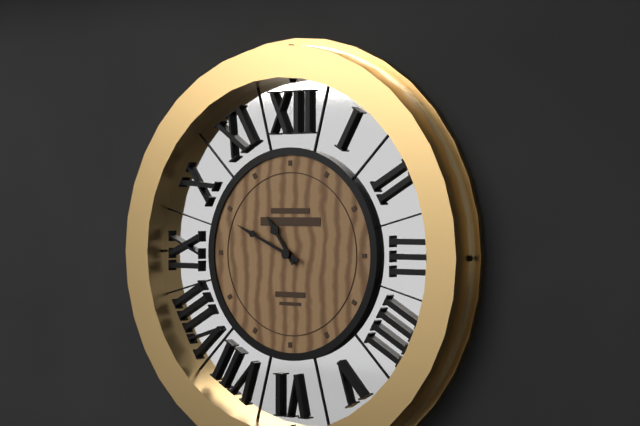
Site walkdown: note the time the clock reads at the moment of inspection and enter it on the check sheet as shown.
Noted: 10:49
